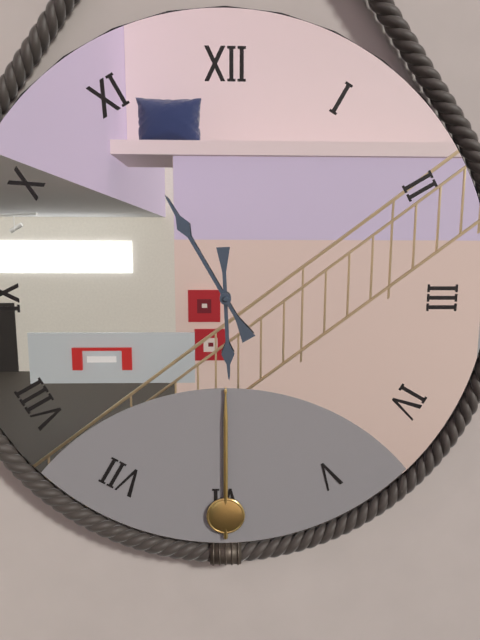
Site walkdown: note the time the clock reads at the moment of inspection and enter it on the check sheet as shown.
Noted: 5:55
